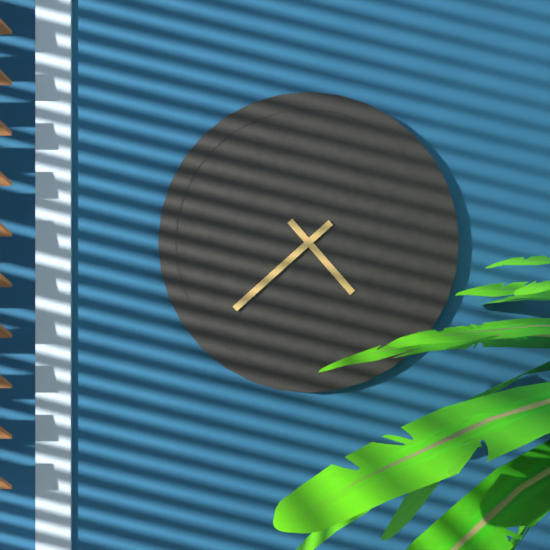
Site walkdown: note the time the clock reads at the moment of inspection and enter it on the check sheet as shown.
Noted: 4:38
